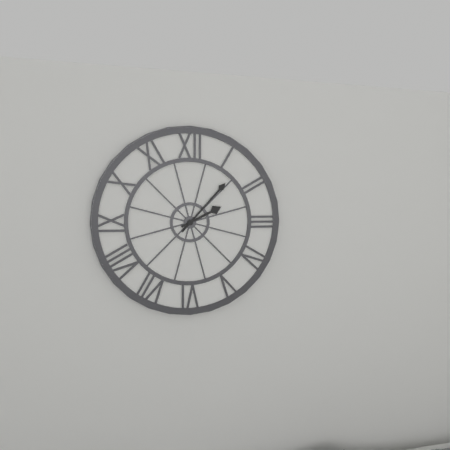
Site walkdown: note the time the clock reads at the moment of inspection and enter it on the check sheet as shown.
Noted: 2:07
